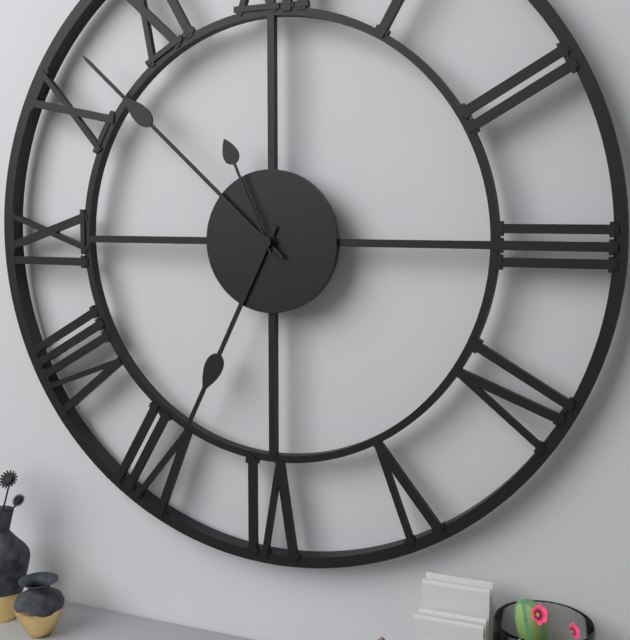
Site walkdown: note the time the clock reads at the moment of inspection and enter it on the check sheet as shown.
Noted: 6:52:56
